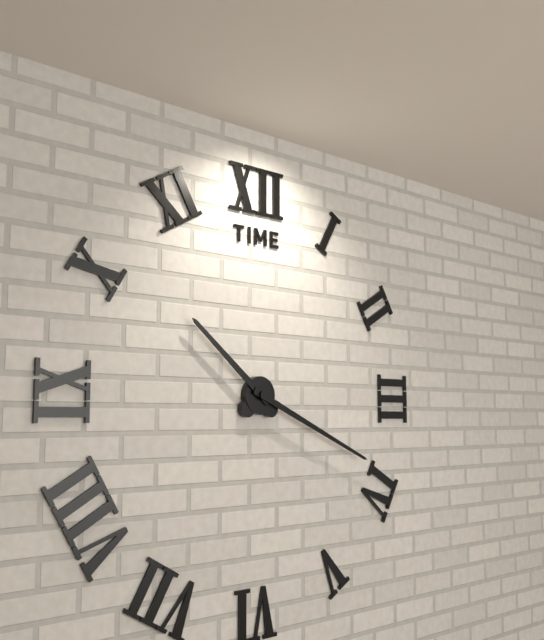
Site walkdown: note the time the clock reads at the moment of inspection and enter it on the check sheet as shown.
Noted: 10:19
